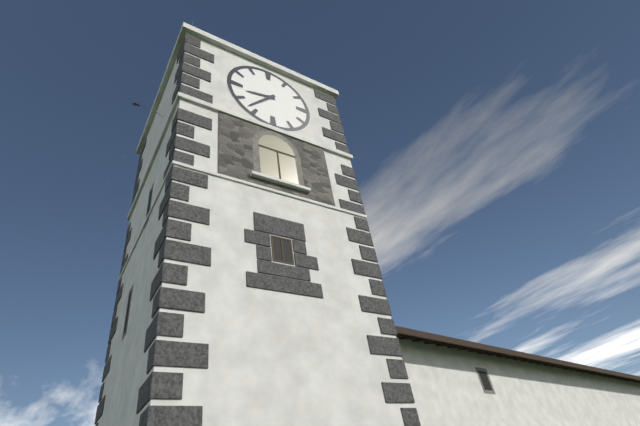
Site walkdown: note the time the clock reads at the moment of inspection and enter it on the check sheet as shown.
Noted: 8:37
